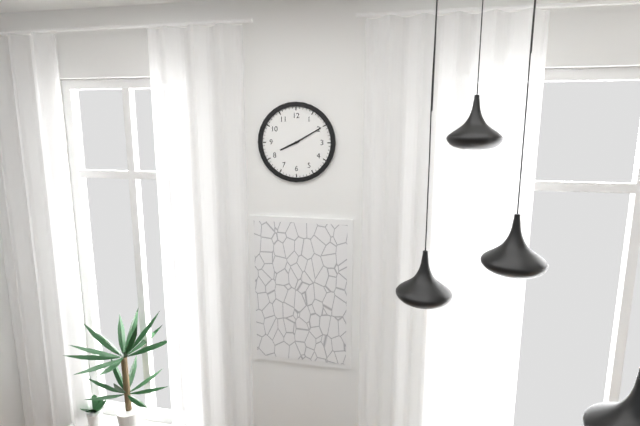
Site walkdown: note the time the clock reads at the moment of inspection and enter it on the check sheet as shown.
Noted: 8:10
